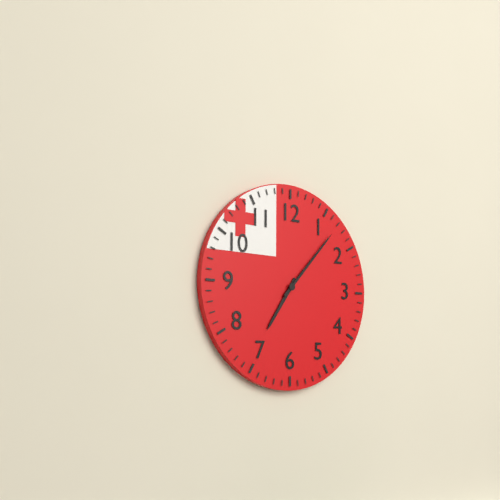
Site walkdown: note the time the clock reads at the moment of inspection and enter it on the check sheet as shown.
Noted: 7:07
